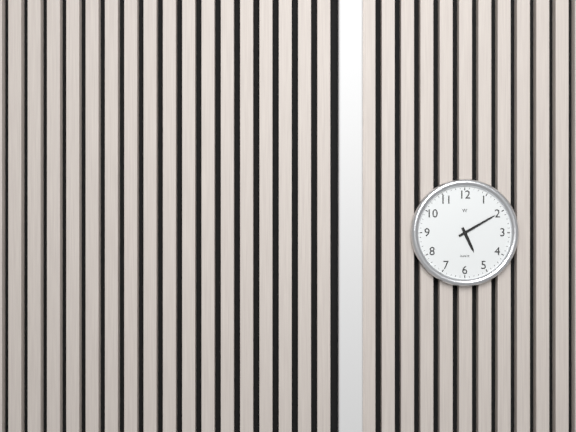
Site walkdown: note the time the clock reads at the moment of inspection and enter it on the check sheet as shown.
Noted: 5:10
